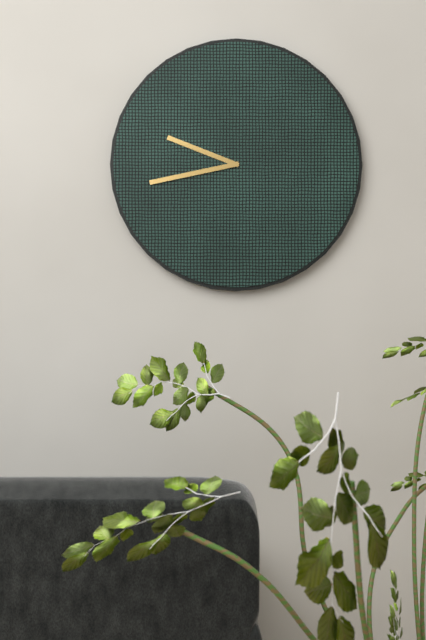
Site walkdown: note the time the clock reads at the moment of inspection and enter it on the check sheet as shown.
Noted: 9:43
